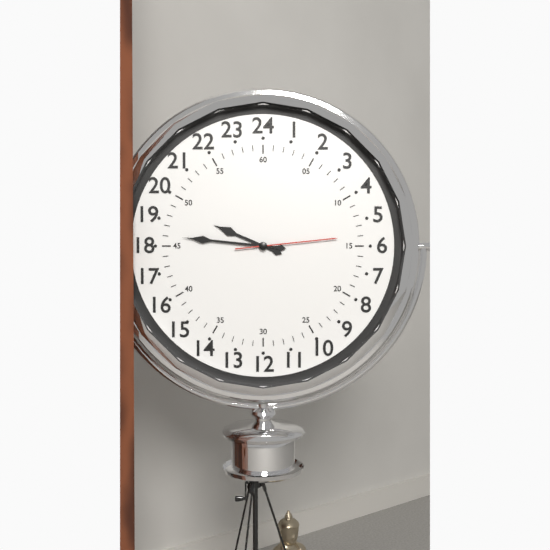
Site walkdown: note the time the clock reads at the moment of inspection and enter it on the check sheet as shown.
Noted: 9:46:14
